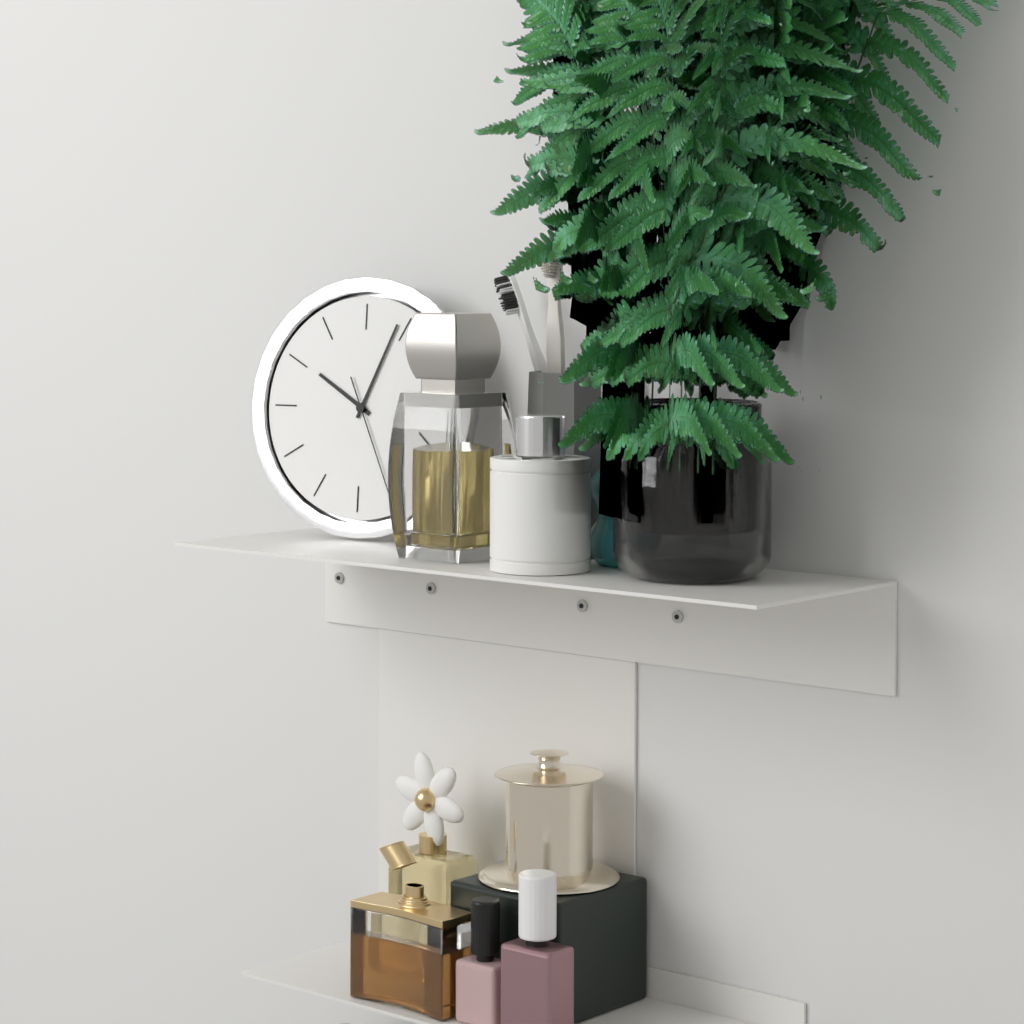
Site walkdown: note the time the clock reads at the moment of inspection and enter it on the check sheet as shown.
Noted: 10:04:26
